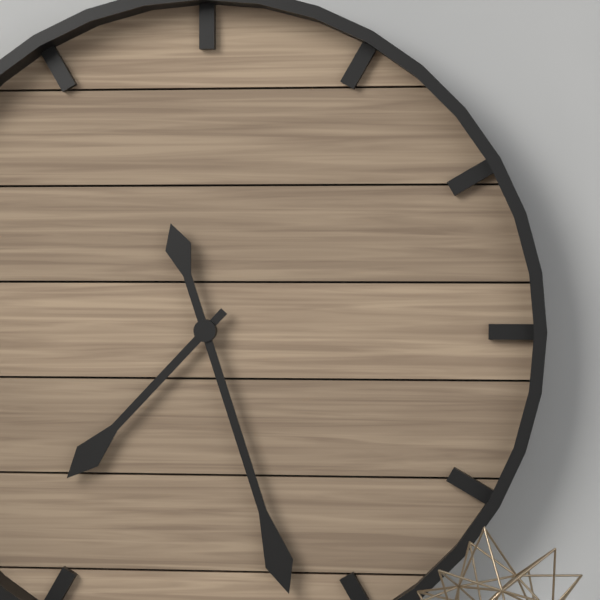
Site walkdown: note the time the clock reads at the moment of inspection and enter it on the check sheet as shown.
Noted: 7:27
